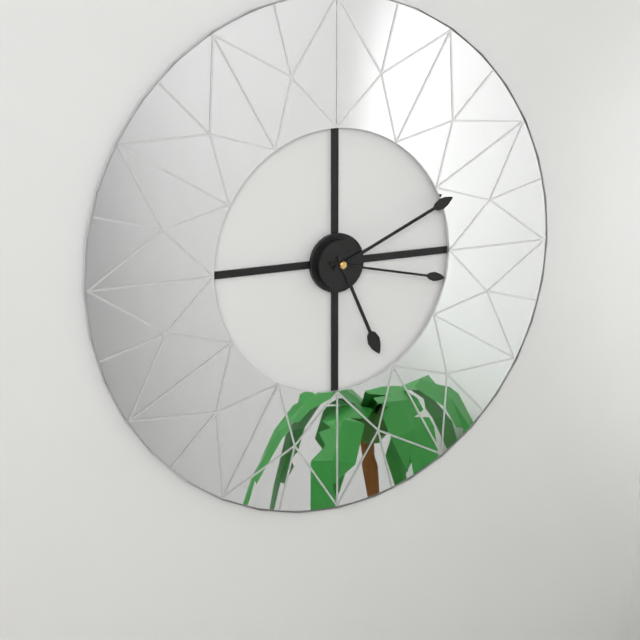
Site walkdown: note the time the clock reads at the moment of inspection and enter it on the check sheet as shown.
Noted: 5:11:17
